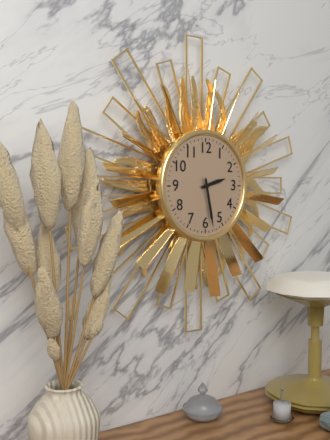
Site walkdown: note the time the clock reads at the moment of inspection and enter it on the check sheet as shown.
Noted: 2:28
